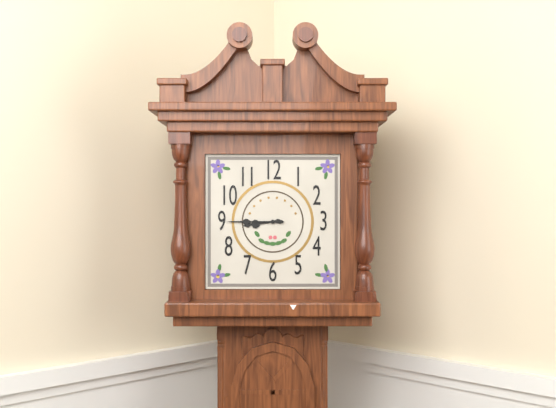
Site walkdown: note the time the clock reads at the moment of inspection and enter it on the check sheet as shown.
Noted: 8:45
